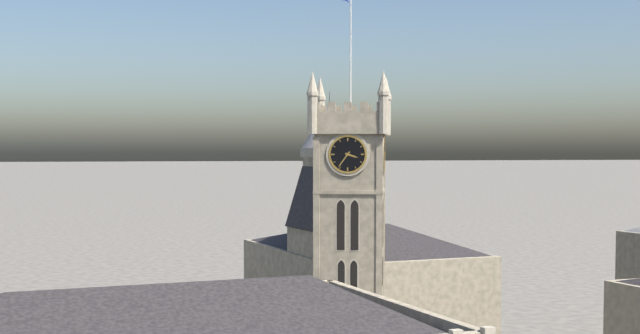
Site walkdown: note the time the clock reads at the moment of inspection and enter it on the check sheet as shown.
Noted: 3:36
